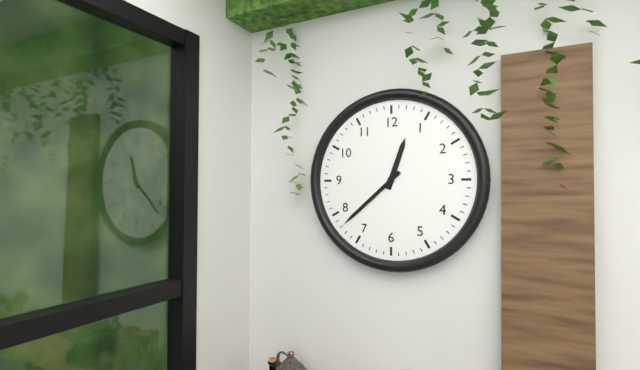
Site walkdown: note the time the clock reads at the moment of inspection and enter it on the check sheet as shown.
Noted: 12:38
